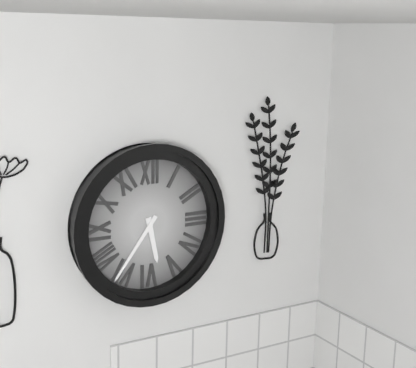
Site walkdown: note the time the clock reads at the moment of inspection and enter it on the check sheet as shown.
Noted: 5:36
